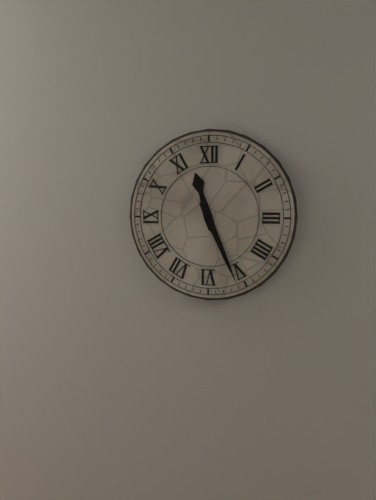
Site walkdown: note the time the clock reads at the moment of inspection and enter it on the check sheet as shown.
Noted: 11:26
